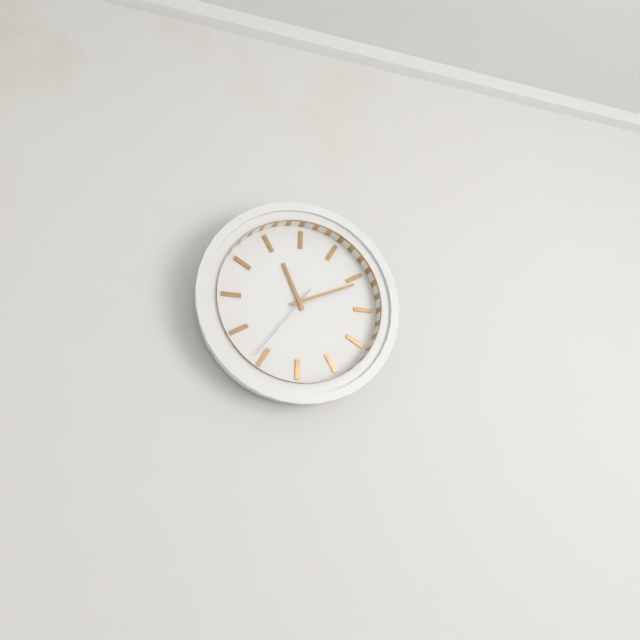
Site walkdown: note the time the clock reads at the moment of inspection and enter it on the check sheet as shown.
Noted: 11:11:36
